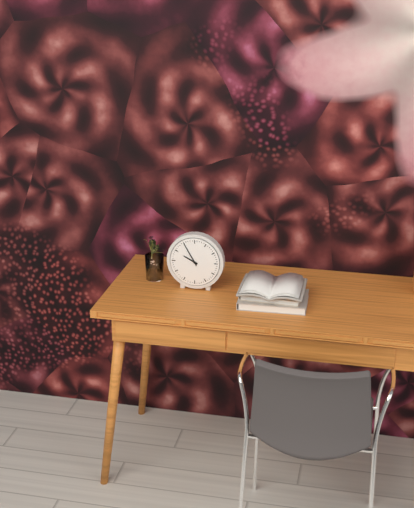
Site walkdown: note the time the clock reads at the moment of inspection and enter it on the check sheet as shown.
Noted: 9:55
